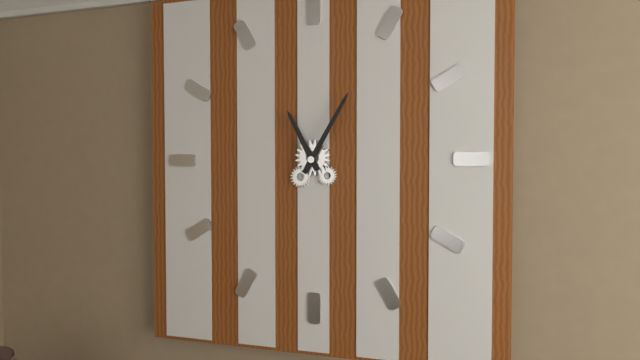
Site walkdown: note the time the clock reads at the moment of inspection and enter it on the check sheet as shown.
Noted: 11:05
